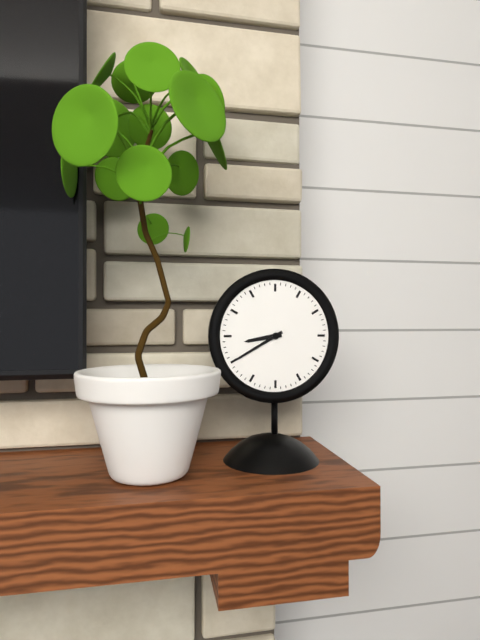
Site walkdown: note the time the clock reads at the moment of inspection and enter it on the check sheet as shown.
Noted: 8:40
